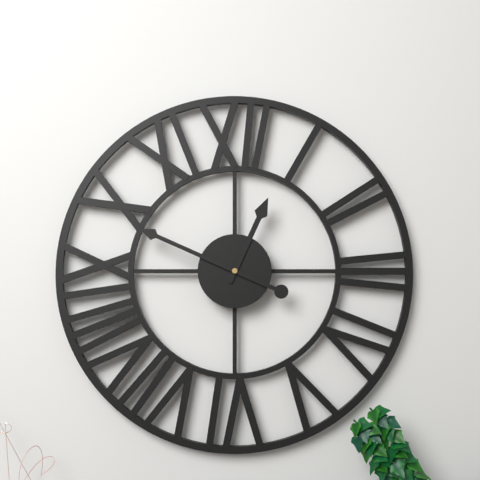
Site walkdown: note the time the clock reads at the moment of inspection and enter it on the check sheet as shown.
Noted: 12:49
